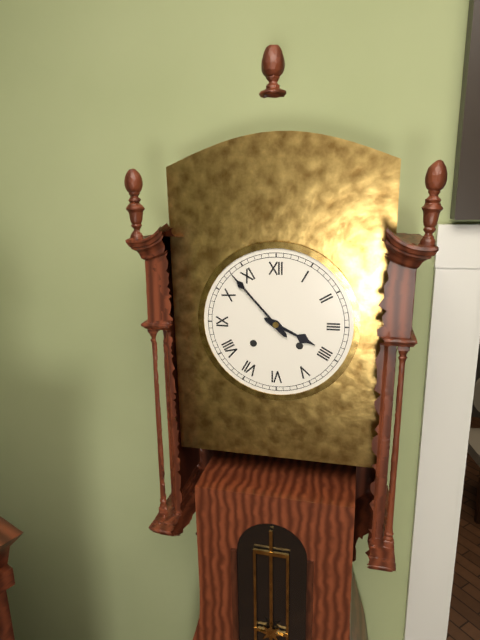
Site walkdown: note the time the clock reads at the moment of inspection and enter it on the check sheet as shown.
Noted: 3:53
